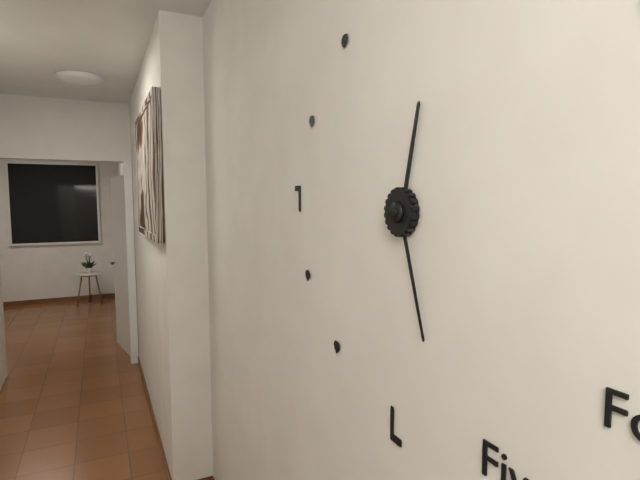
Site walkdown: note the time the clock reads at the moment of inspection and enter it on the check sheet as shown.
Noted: 12:27
